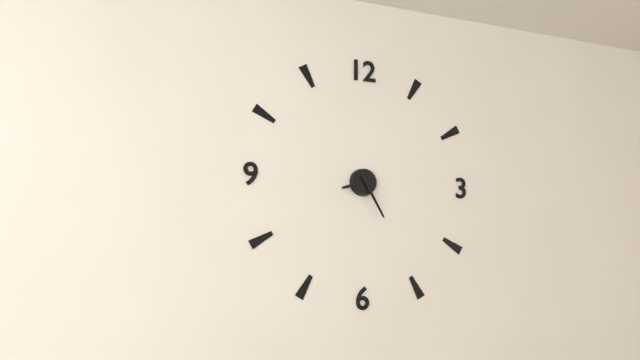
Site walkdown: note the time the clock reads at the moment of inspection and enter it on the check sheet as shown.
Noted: 8:25
